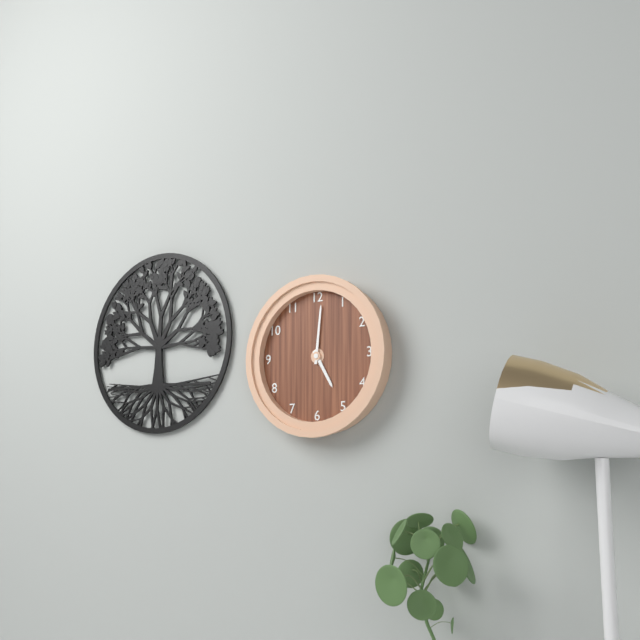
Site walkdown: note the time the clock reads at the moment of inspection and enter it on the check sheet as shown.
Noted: 5:01
